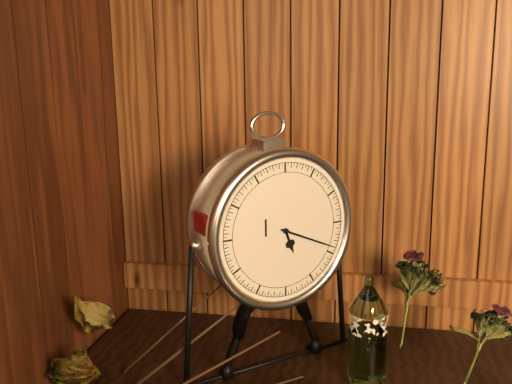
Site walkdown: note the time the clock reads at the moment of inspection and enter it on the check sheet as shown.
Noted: 5:19
